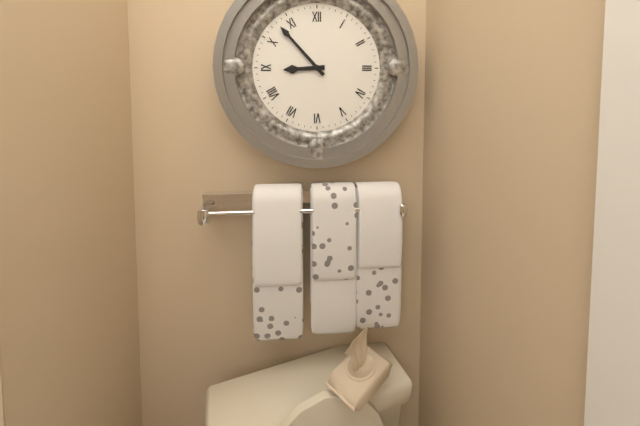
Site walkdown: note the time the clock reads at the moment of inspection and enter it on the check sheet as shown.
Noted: 8:53
